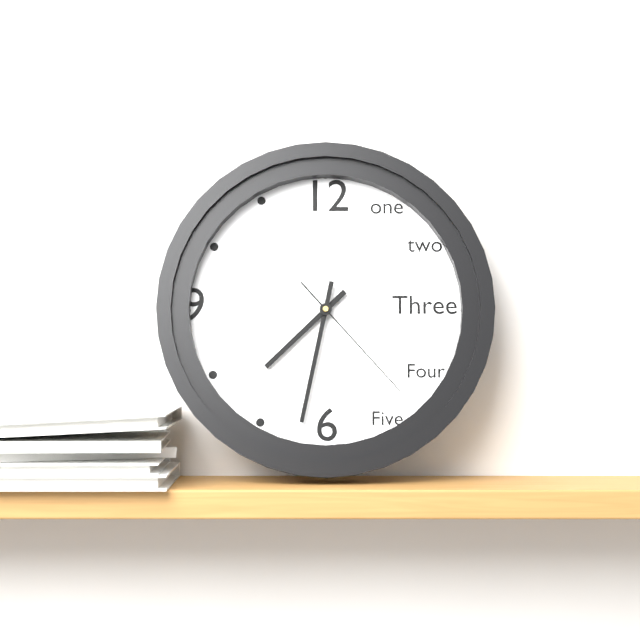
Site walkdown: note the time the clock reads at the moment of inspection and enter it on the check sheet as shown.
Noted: 7:32:23
